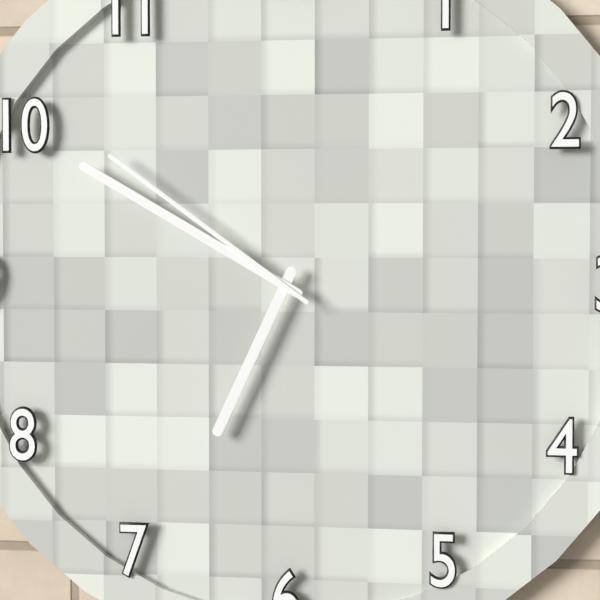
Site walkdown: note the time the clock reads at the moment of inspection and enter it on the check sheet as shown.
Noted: 6:50:51
